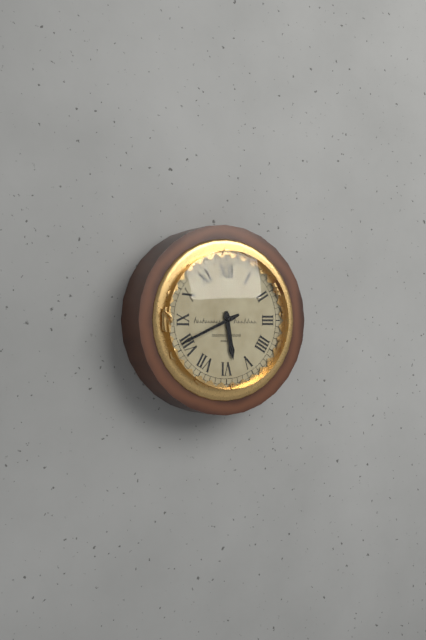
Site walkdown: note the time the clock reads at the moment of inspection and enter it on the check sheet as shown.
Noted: 5:41
